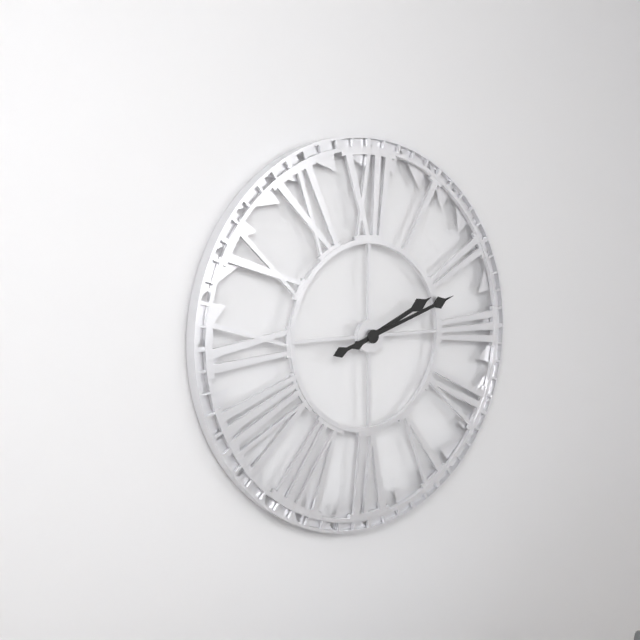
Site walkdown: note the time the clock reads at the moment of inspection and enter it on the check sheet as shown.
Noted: 2:12
